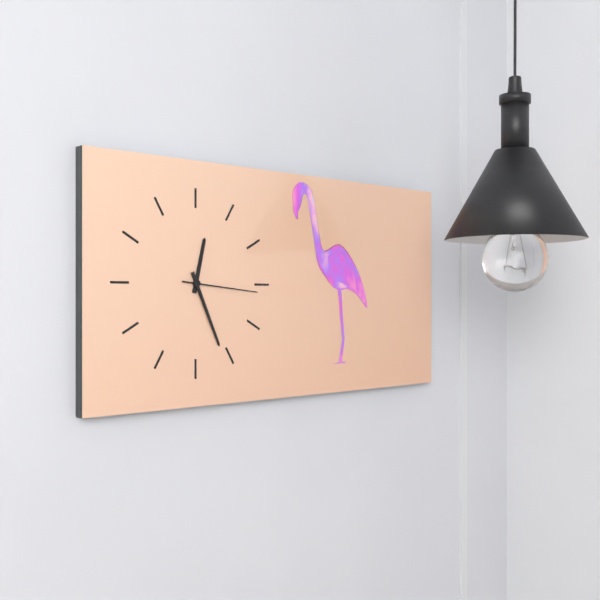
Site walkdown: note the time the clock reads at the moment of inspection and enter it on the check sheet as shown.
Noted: 12:26:16
